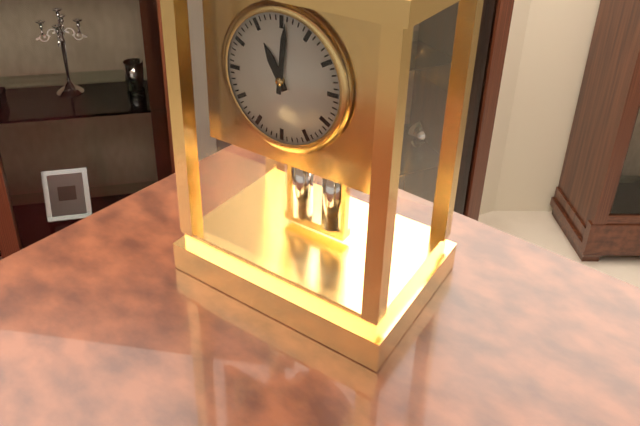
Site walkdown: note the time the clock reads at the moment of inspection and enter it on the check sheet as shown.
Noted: 11:01
